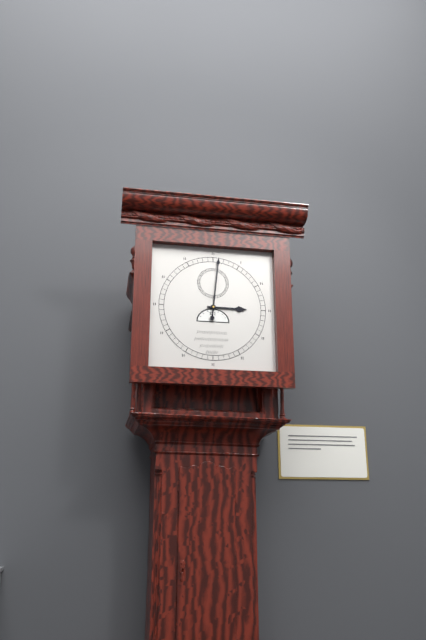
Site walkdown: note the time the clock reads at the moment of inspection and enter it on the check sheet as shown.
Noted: 3:01
